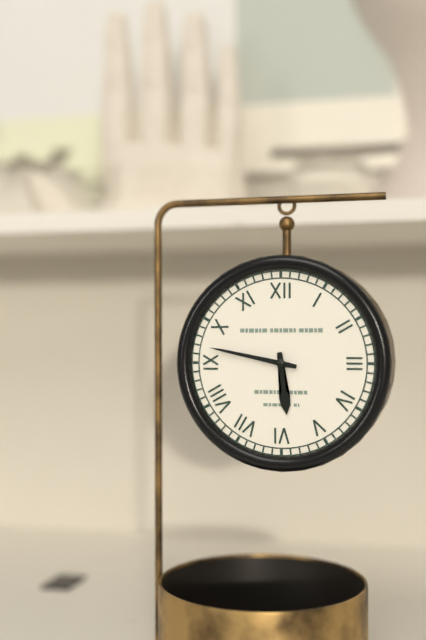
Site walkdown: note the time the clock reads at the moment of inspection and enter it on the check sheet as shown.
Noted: 5:47
